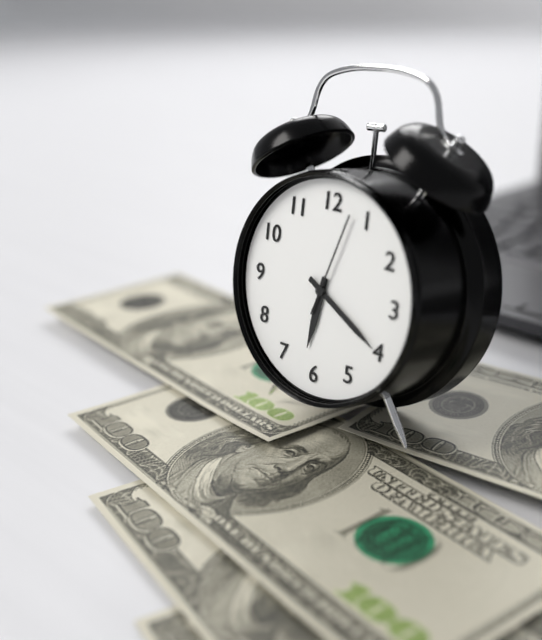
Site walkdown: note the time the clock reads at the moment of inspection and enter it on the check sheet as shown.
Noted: 6:20:03
